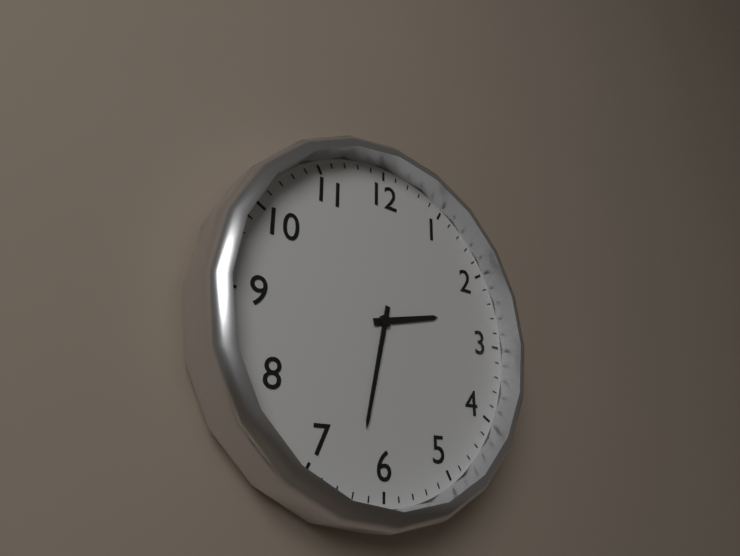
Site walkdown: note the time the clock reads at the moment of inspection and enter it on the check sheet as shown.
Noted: 2:32
